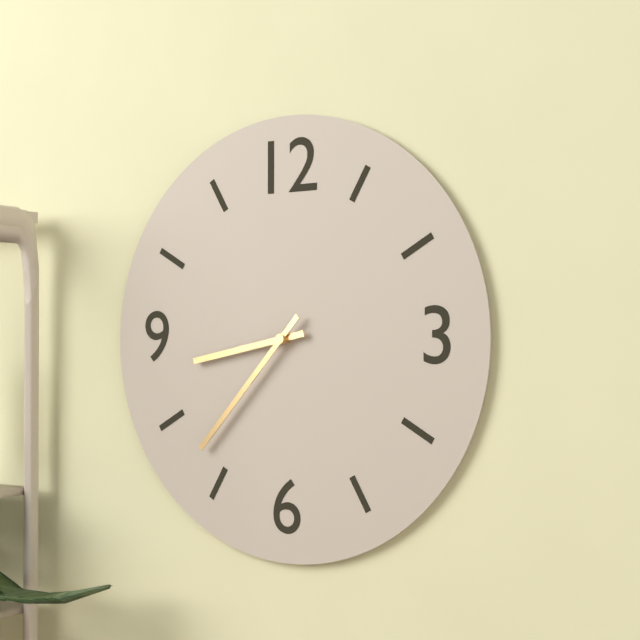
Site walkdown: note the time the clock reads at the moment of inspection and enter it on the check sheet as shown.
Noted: 8:37
